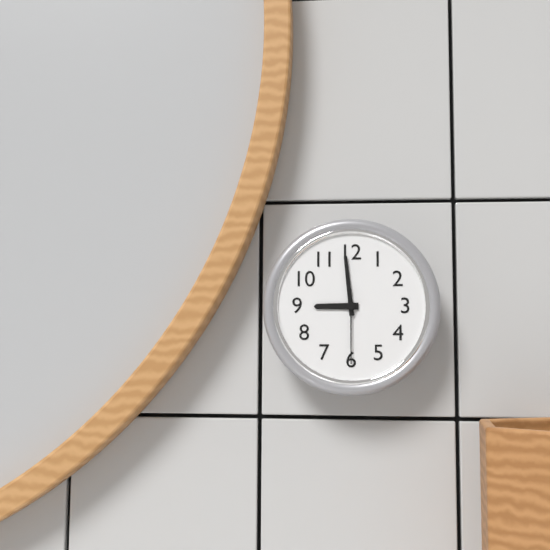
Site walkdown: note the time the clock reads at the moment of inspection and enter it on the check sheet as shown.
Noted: 8:59:30
